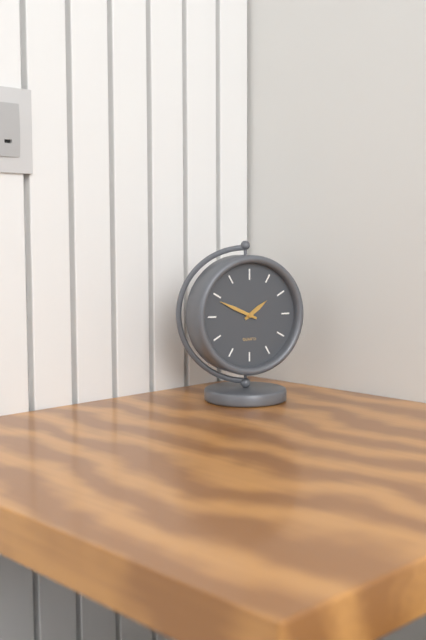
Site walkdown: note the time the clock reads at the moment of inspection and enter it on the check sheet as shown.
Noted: 1:49
